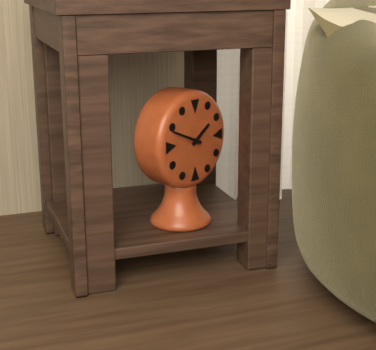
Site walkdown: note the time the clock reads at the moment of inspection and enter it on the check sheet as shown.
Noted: 1:49
